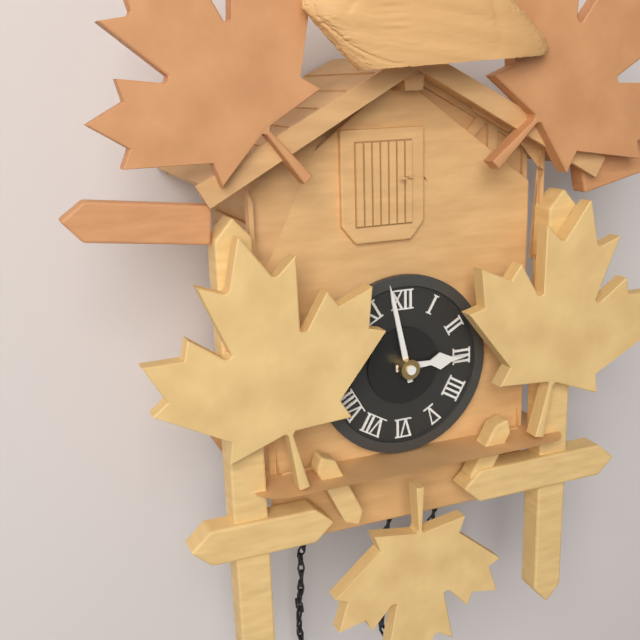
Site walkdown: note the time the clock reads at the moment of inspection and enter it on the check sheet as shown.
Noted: 2:58
